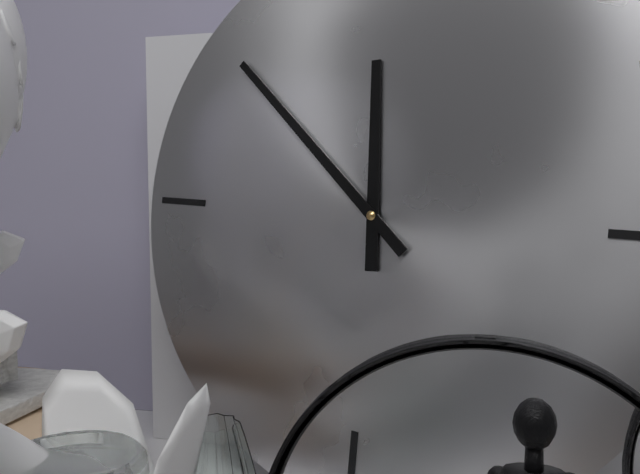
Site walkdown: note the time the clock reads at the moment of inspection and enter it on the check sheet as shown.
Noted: 11:52
